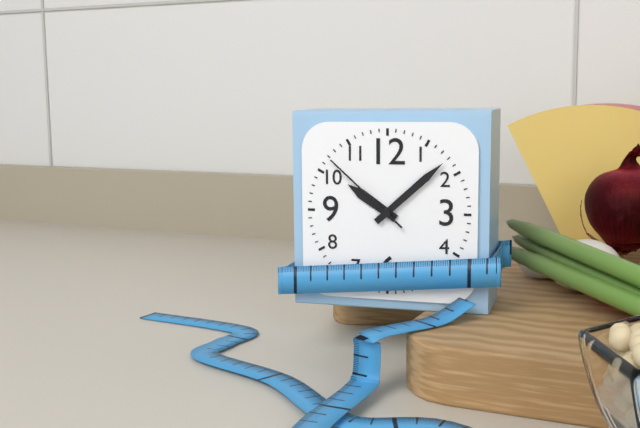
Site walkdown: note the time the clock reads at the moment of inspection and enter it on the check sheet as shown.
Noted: 10:08:52
